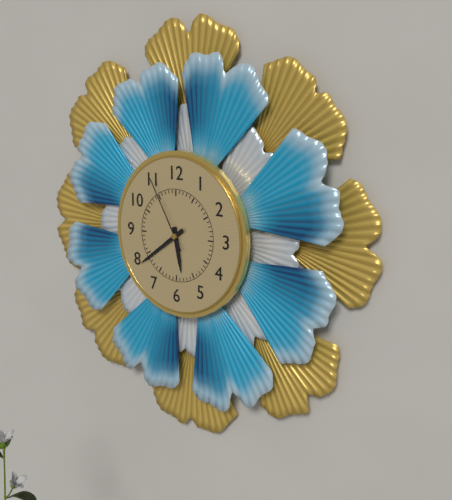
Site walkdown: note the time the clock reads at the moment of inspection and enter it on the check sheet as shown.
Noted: 5:39:55
